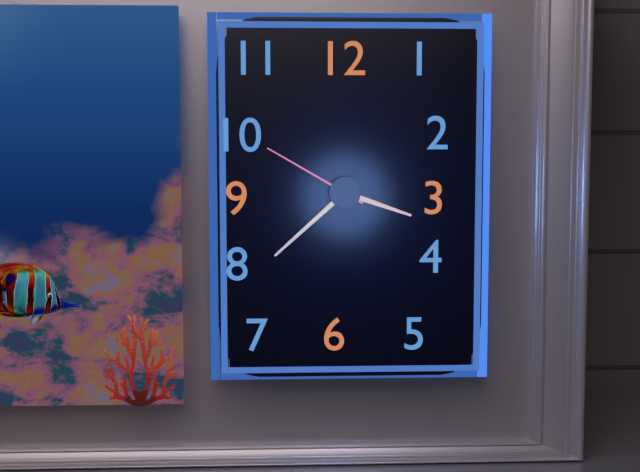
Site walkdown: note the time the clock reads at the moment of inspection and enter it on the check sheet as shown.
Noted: 3:38:50
